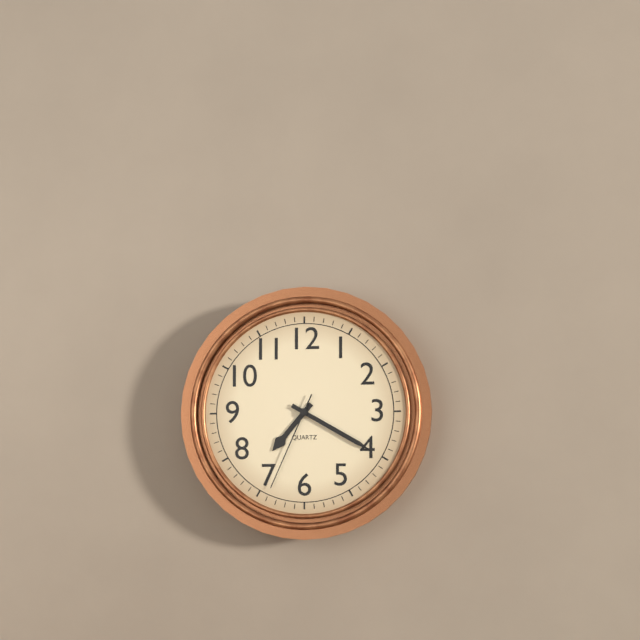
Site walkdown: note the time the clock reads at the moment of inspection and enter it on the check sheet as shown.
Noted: 7:20:34
